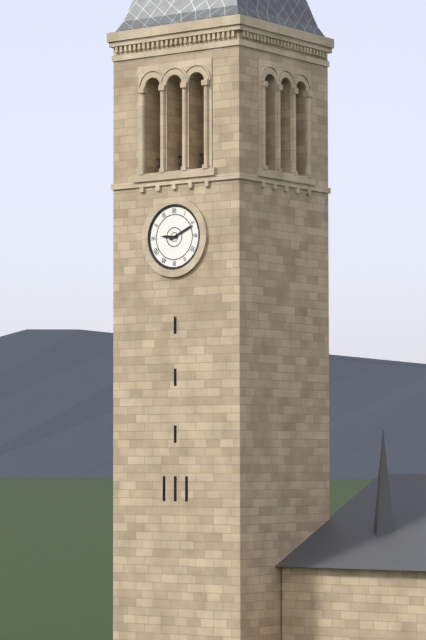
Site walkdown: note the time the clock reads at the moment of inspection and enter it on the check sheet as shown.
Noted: 9:11
